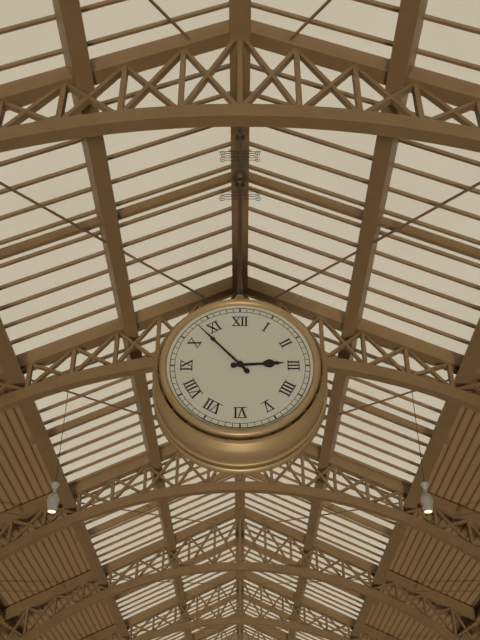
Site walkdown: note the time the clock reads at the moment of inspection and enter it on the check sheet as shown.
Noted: 2:53
